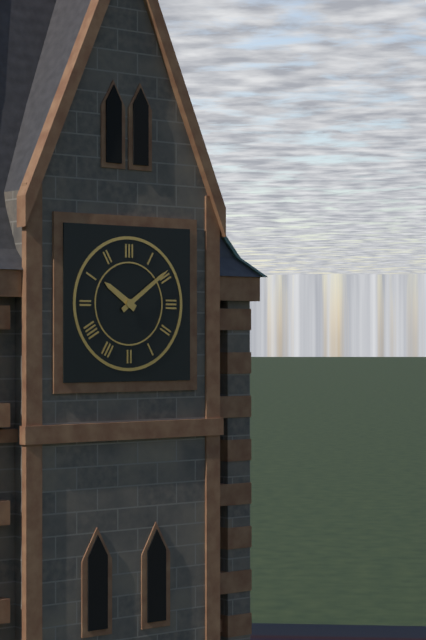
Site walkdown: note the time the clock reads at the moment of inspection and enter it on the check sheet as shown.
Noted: 10:09
